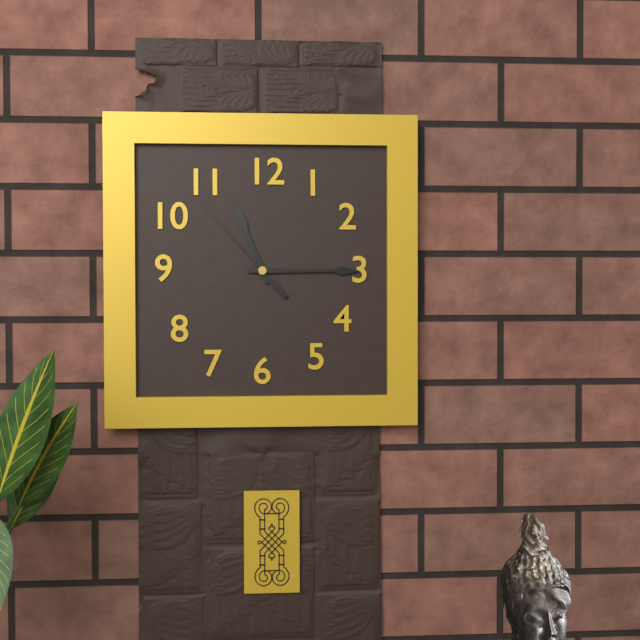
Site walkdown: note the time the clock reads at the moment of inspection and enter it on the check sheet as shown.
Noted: 11:15:53
